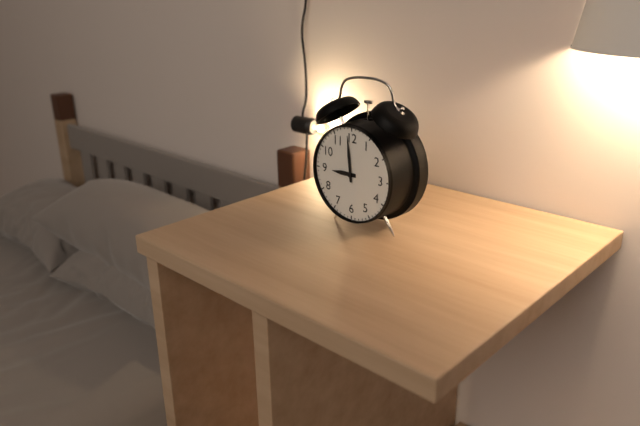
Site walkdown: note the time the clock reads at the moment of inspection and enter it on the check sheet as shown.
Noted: 8:59
